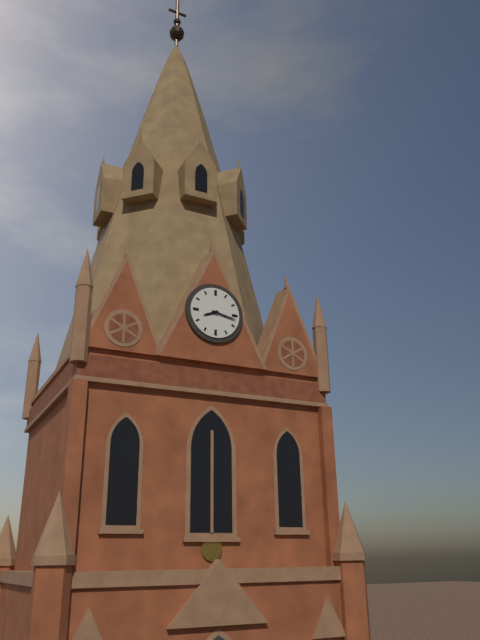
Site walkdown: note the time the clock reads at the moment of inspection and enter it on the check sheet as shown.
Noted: 8:17
